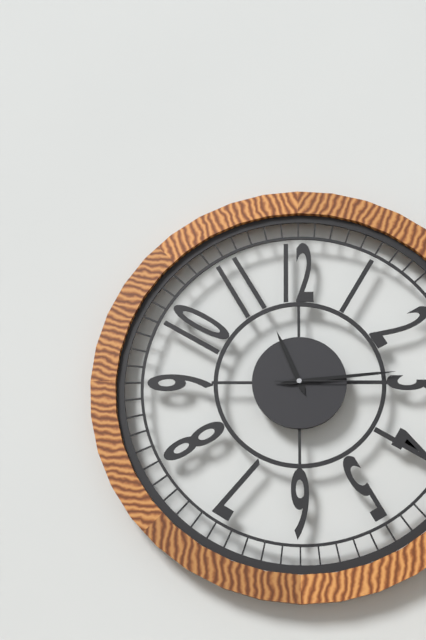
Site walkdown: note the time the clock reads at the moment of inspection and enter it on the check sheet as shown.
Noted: 11:14:15
